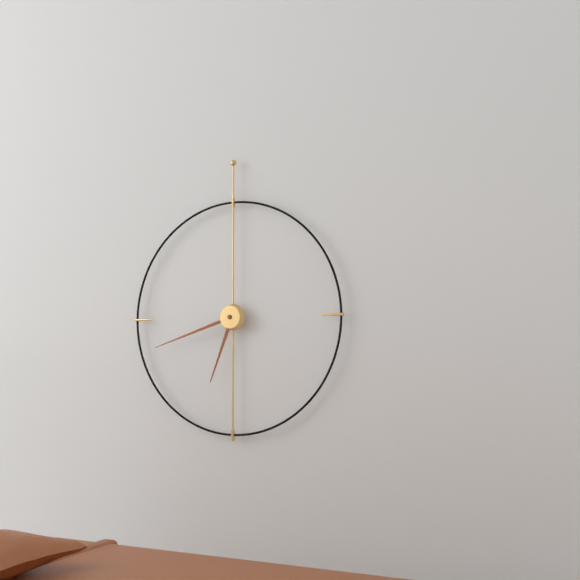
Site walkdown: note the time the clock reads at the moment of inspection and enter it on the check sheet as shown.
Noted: 6:42
